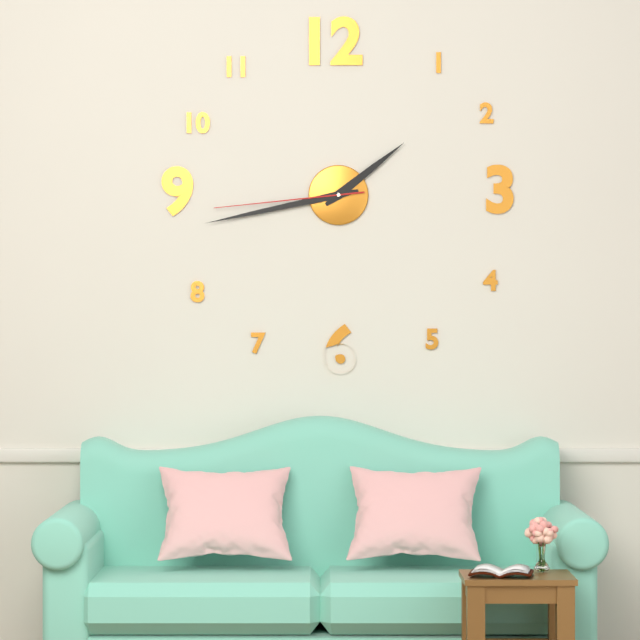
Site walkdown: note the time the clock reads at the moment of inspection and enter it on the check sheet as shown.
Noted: 1:43:44
